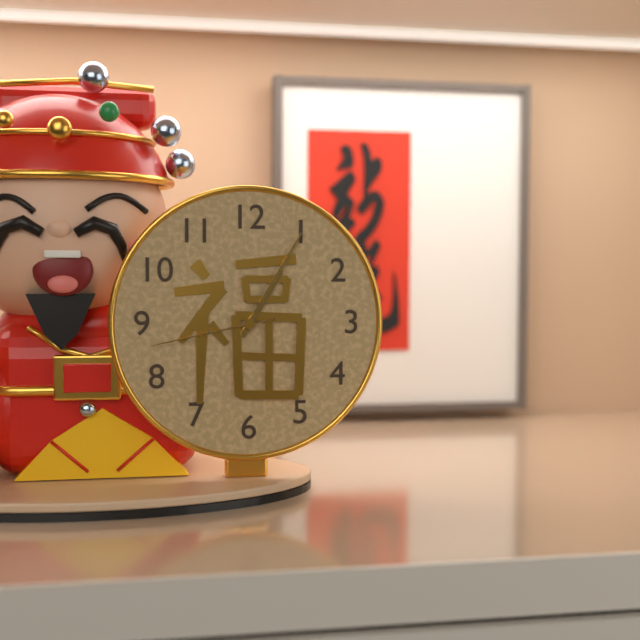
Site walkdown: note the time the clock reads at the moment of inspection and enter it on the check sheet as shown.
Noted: 1:05:43
